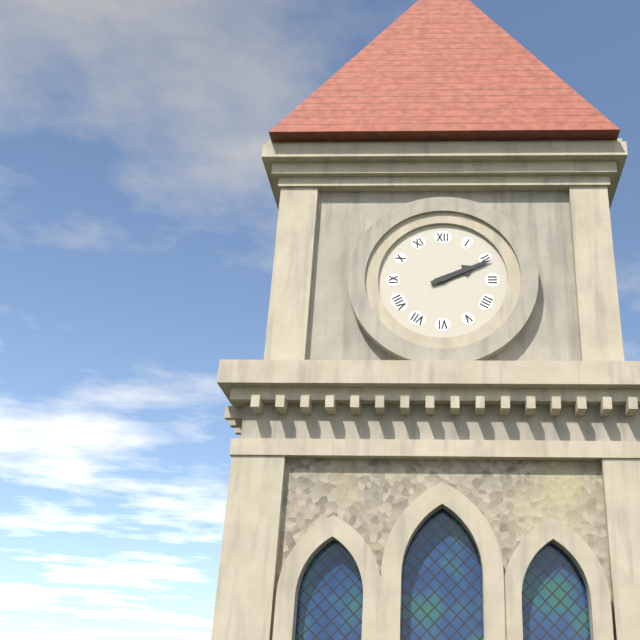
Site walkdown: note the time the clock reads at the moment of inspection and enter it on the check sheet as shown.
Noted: 2:11
